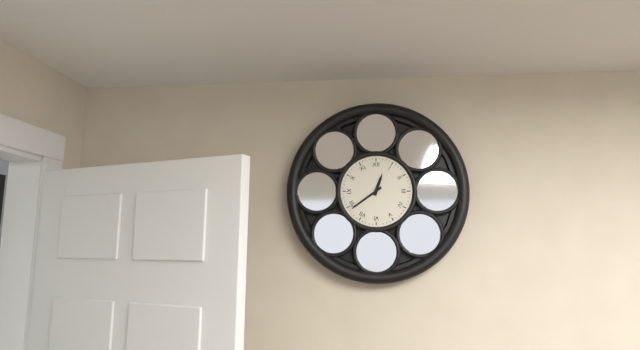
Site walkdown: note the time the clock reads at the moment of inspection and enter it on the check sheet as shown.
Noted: 12:39
